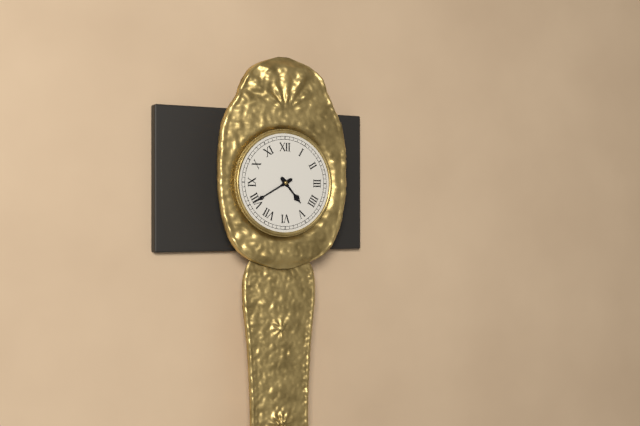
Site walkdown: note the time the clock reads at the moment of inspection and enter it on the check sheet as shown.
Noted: 4:40
